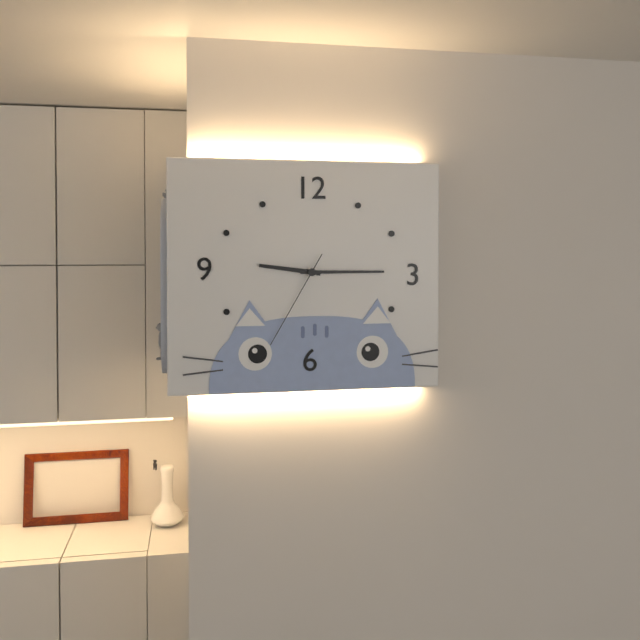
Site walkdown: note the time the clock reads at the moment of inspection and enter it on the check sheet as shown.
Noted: 9:15:35
